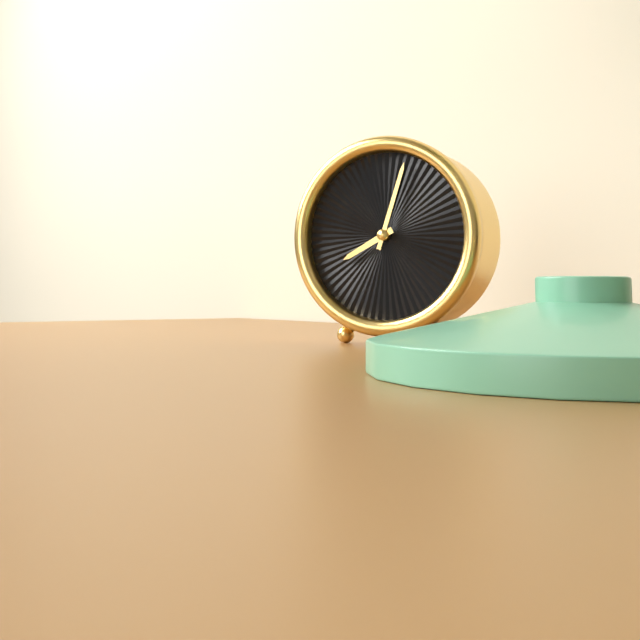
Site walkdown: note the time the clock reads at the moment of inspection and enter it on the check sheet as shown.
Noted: 8:03
